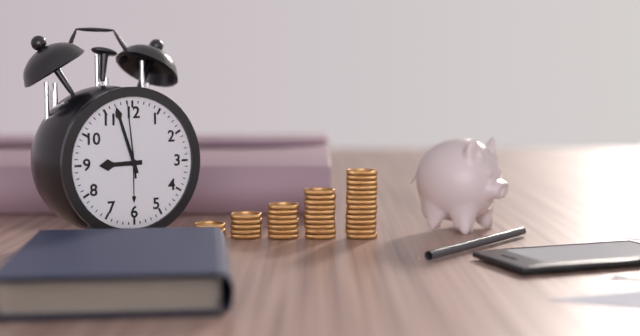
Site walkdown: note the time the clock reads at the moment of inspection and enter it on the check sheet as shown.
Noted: 8:57:59
